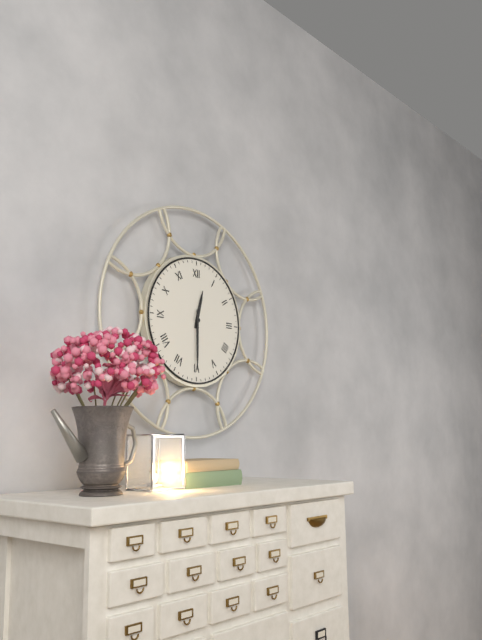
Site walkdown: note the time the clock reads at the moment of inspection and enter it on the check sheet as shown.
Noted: 12:30
